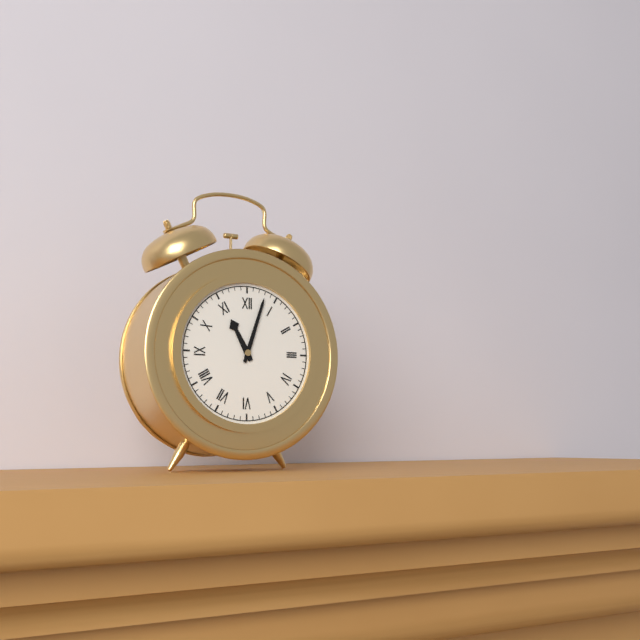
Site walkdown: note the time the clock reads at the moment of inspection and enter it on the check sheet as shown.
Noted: 11:03
